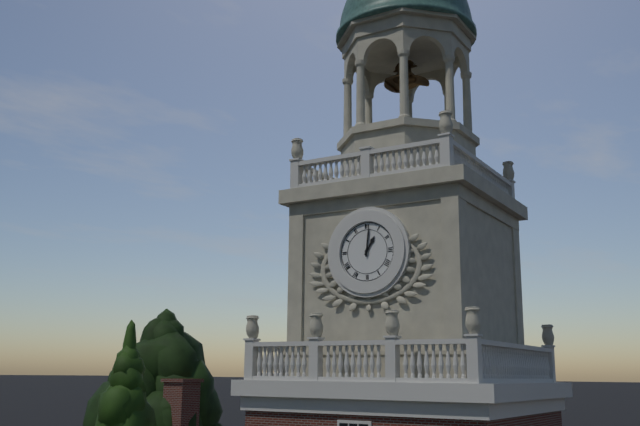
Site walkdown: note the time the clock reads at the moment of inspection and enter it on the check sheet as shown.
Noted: 1:01
